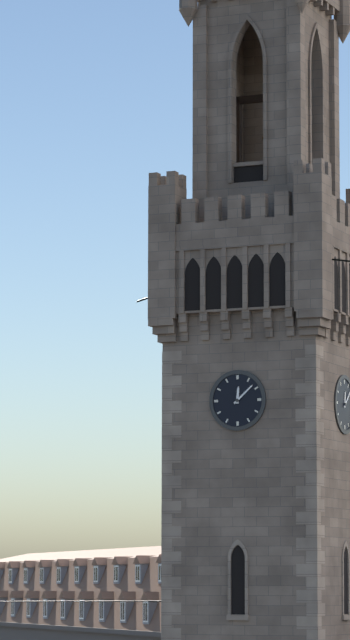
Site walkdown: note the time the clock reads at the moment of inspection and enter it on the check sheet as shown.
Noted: 12:08
